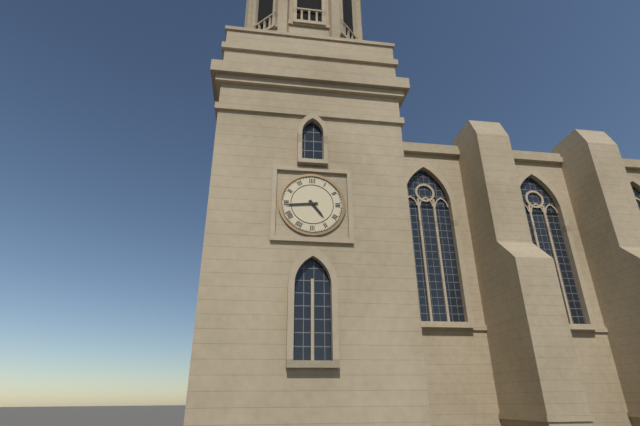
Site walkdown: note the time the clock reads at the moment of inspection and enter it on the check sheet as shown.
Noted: 4:44
